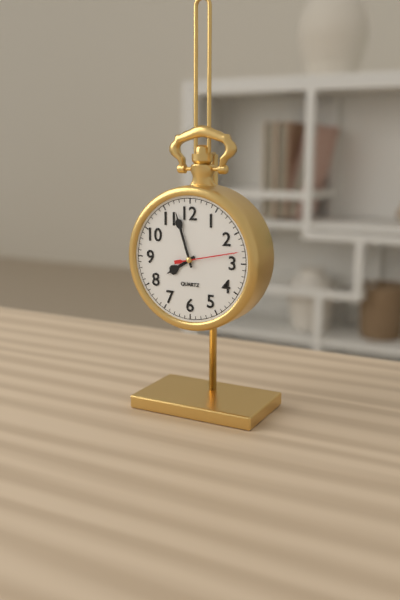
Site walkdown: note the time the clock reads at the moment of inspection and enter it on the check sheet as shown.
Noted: 7:57:13
